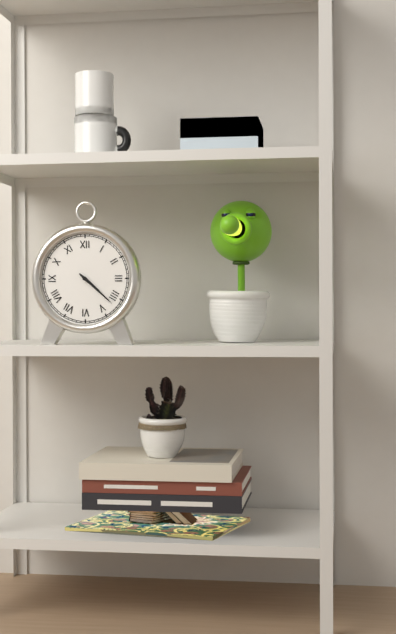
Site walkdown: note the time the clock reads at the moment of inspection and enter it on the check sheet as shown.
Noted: 4:22
